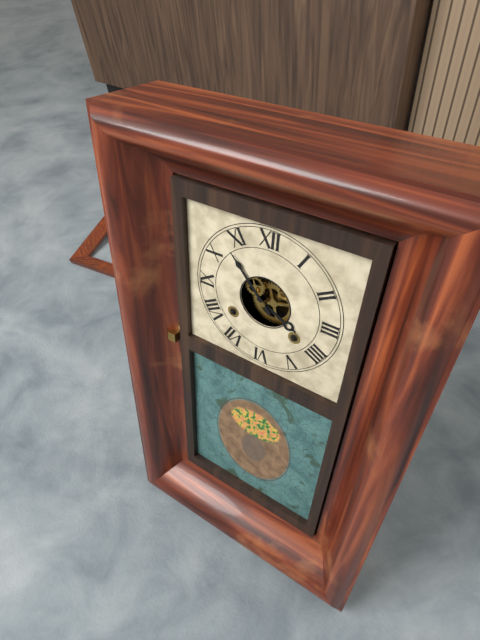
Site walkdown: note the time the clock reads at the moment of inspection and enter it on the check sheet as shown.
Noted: 3:53
